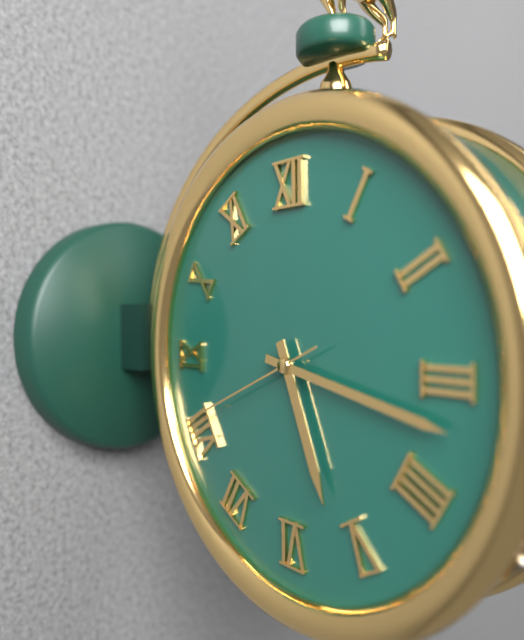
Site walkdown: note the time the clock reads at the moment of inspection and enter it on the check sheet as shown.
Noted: 5:17:41
